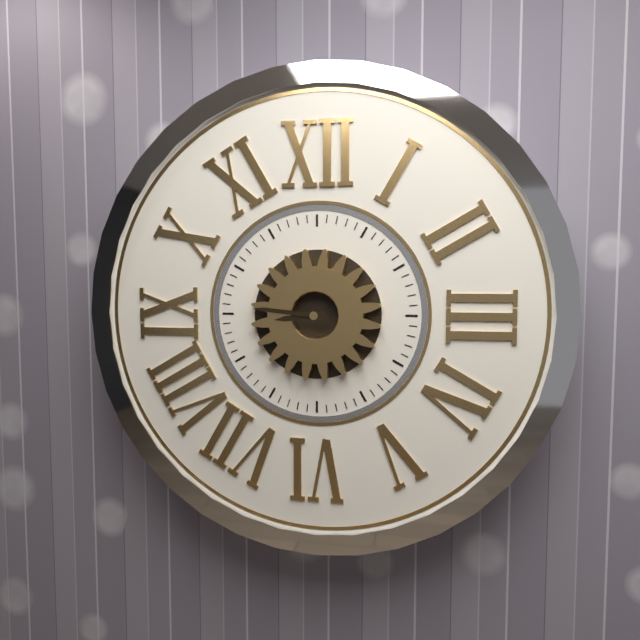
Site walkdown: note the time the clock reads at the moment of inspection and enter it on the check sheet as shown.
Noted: 8:46
